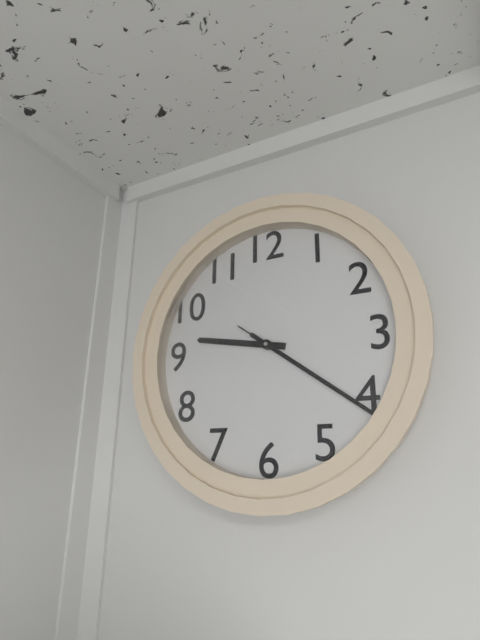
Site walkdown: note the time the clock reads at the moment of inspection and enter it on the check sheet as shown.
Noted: 9:21:21
